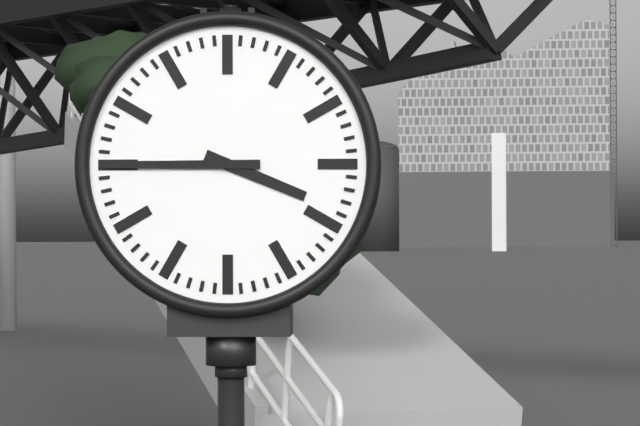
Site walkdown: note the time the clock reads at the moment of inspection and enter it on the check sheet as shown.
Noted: 3:45
